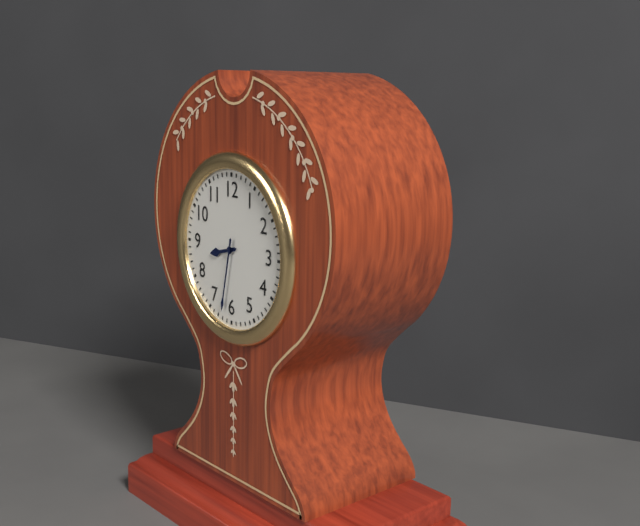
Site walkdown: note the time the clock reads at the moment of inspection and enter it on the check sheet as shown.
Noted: 8:32
